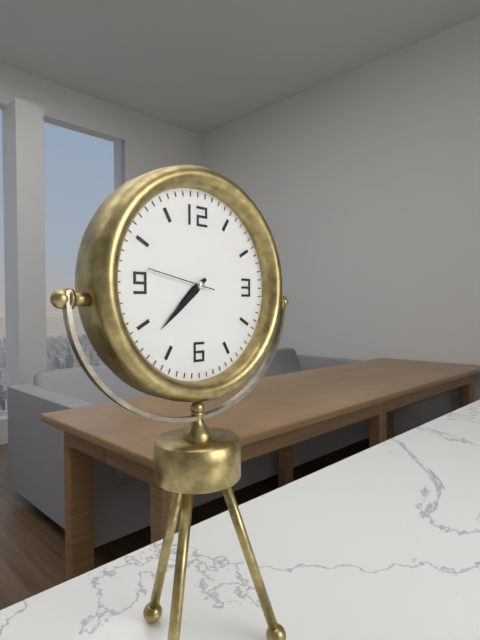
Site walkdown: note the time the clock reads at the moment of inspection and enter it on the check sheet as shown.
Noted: 7:38:47
